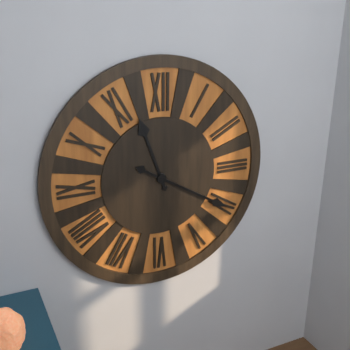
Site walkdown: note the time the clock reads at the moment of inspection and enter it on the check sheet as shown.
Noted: 11:20
